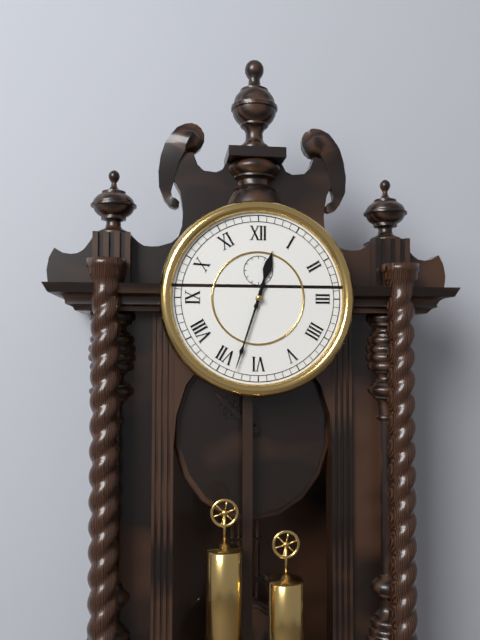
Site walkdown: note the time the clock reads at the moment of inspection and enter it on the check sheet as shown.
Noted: 12:33
